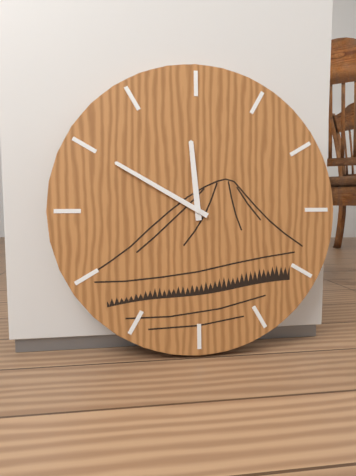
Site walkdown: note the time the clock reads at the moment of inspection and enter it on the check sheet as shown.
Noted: 11:50
